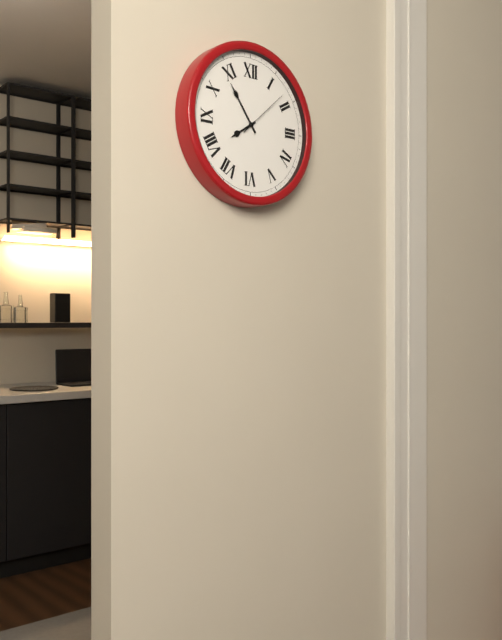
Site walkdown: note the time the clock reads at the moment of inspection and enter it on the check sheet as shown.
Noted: 7:54:08
